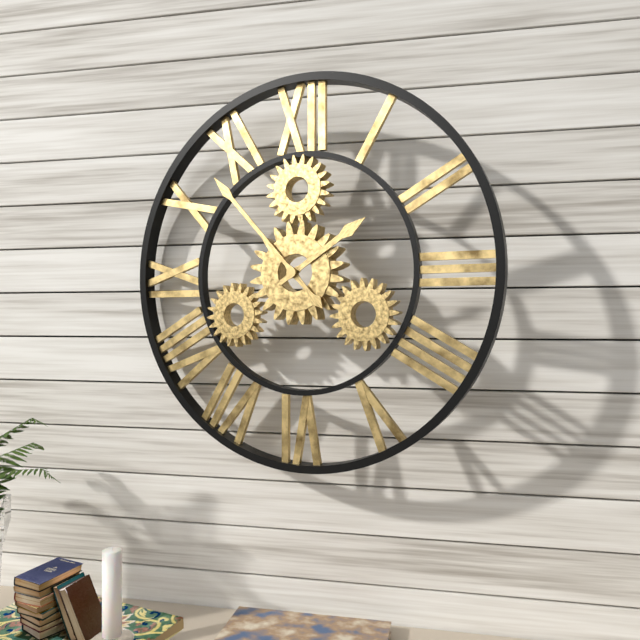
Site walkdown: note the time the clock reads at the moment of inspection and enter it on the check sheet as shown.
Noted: 1:53
